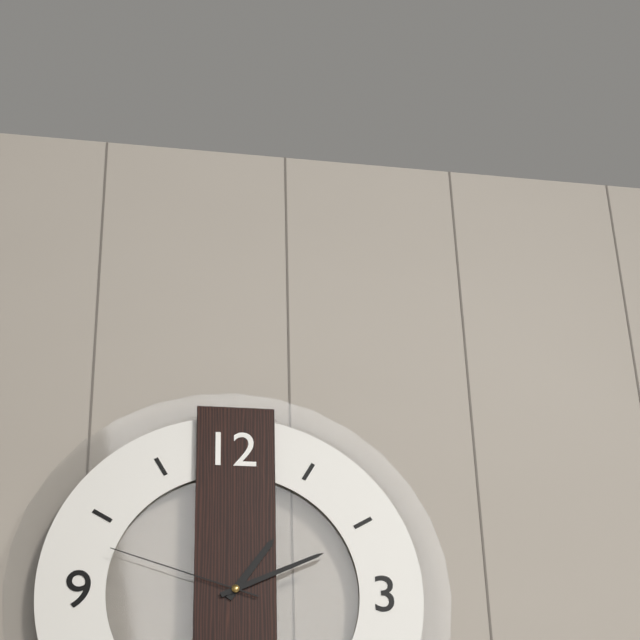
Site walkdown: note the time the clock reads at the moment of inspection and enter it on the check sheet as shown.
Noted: 1:11:48
